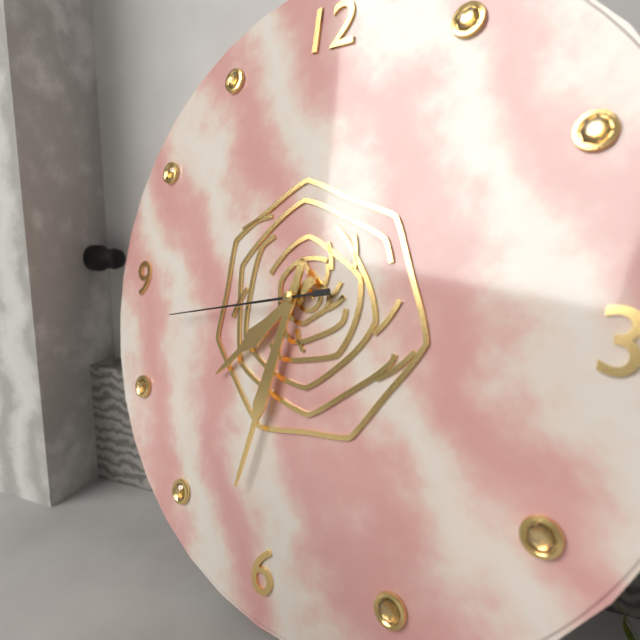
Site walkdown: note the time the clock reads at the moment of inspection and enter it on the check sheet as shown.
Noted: 7:32:43
